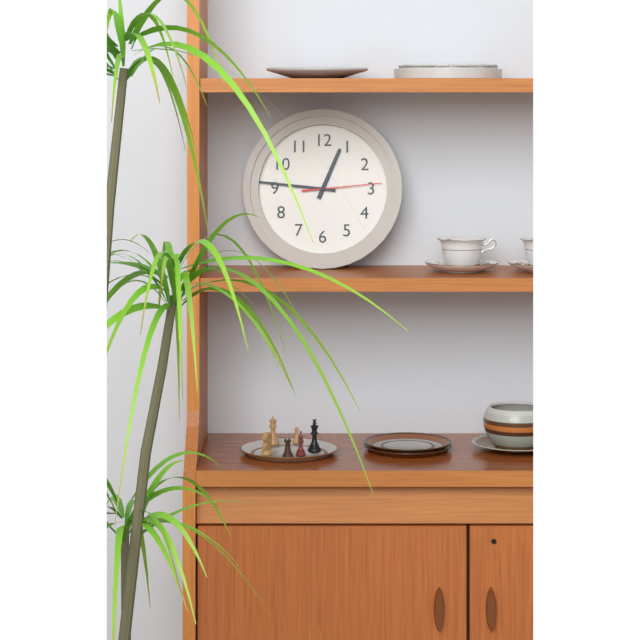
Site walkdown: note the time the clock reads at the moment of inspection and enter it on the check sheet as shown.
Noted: 12:46:14
